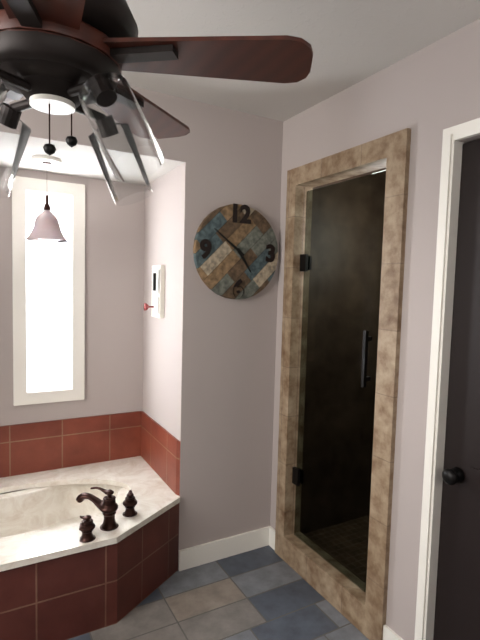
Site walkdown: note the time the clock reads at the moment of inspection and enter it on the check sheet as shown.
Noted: 4:51
